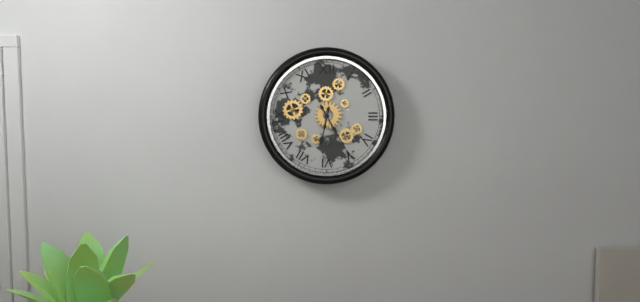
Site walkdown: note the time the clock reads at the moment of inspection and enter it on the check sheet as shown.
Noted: 6:25
